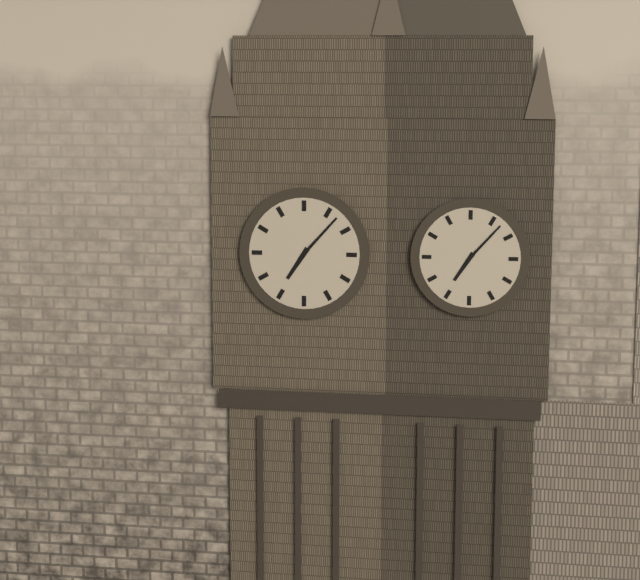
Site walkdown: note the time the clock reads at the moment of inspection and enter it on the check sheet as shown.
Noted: 7:07
